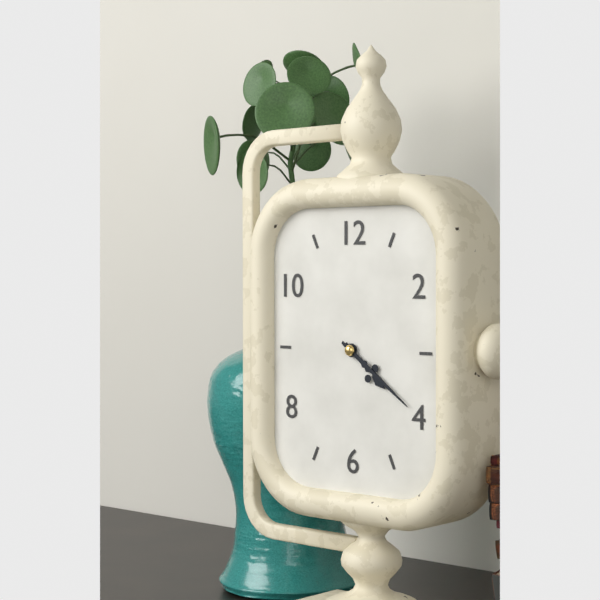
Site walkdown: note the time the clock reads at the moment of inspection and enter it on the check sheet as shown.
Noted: 4:21
